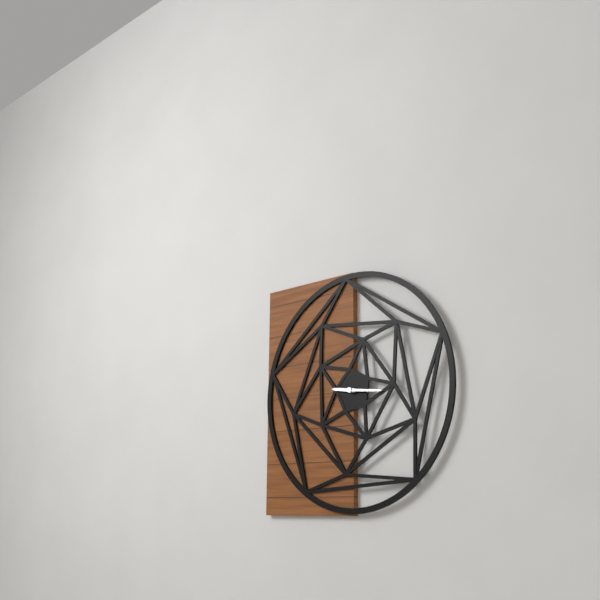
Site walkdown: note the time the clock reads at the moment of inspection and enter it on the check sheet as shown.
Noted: 9:16
